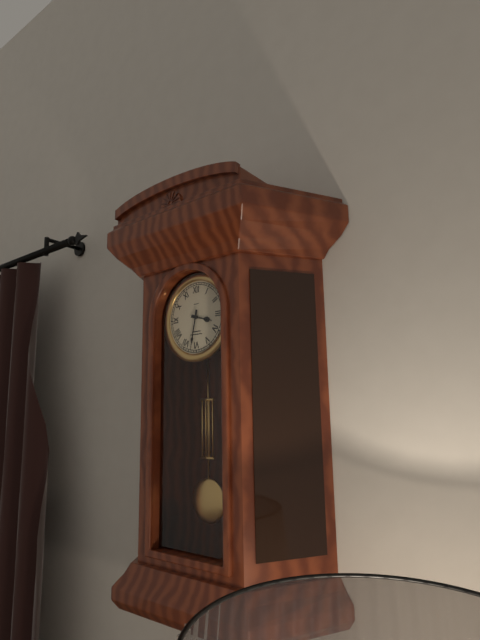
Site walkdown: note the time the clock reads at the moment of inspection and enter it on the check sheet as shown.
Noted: 3:32
